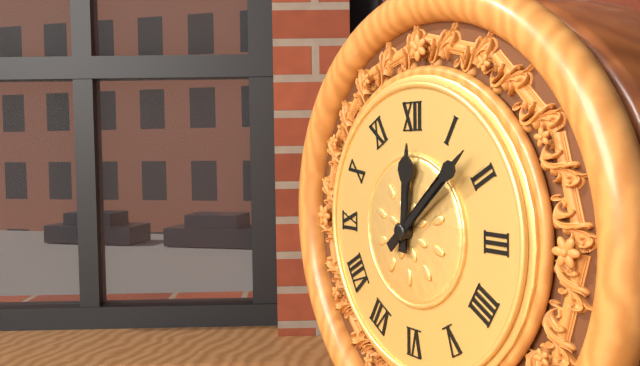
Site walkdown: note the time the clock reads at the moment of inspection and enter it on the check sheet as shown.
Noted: 12:08
